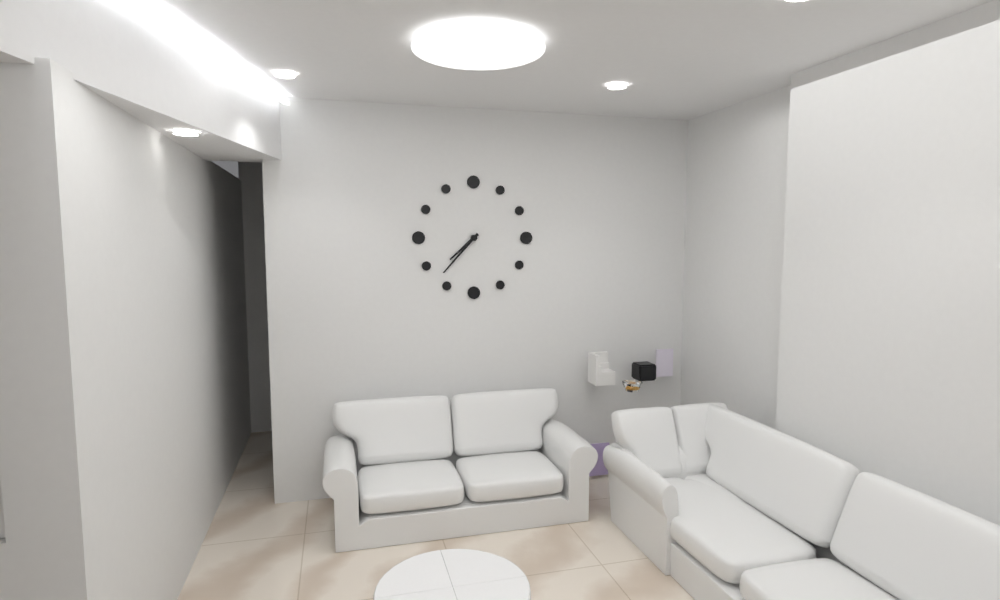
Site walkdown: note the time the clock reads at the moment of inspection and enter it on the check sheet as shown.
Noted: 7:37
